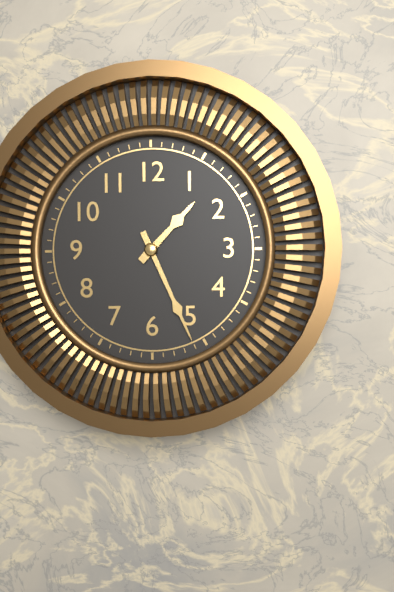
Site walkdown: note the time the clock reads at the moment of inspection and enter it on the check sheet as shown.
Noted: 1:26
